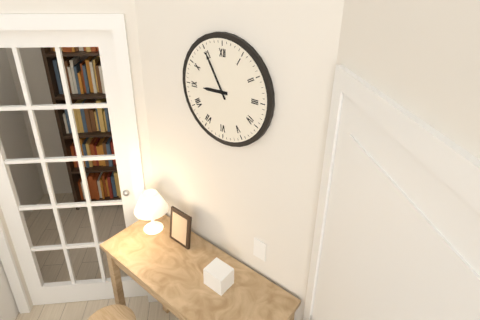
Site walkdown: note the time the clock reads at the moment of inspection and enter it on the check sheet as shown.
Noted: 8:55
